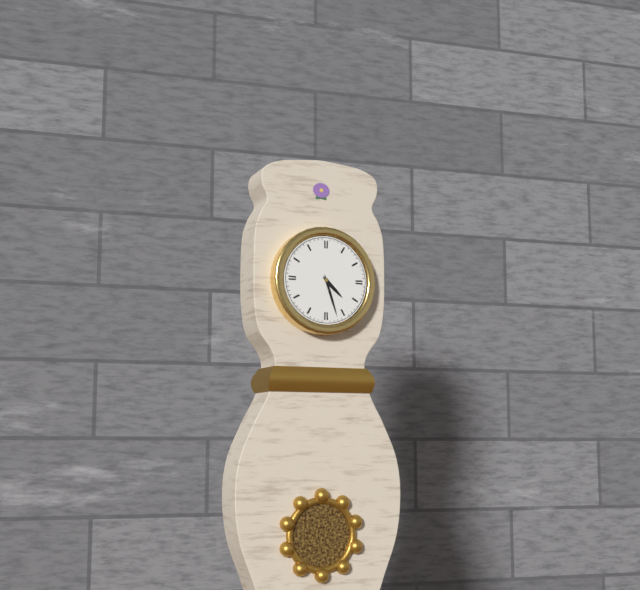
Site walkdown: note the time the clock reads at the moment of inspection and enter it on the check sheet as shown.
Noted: 4:27
